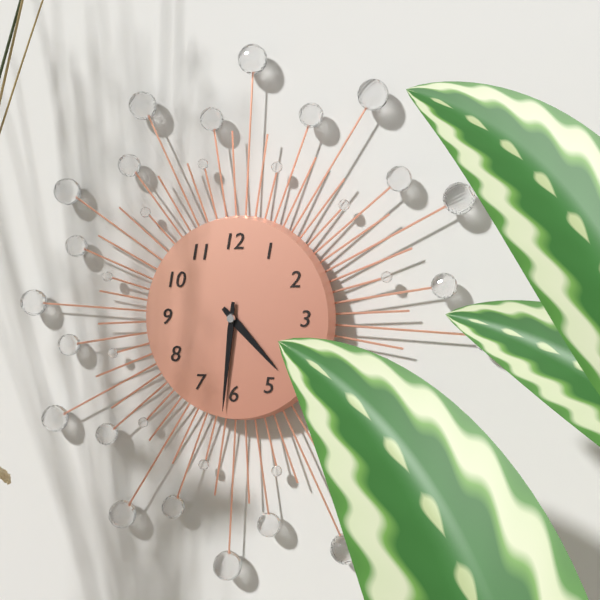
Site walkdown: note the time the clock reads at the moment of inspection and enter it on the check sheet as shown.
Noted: 4:31
